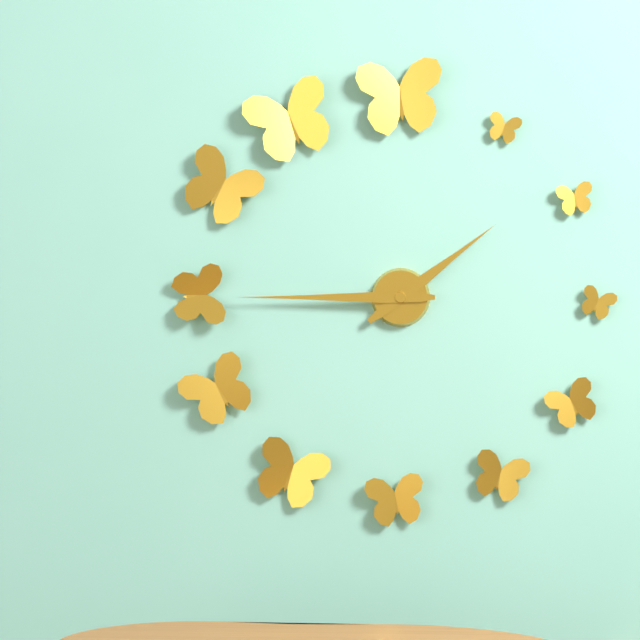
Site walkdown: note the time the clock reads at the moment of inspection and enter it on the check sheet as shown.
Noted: 1:45
